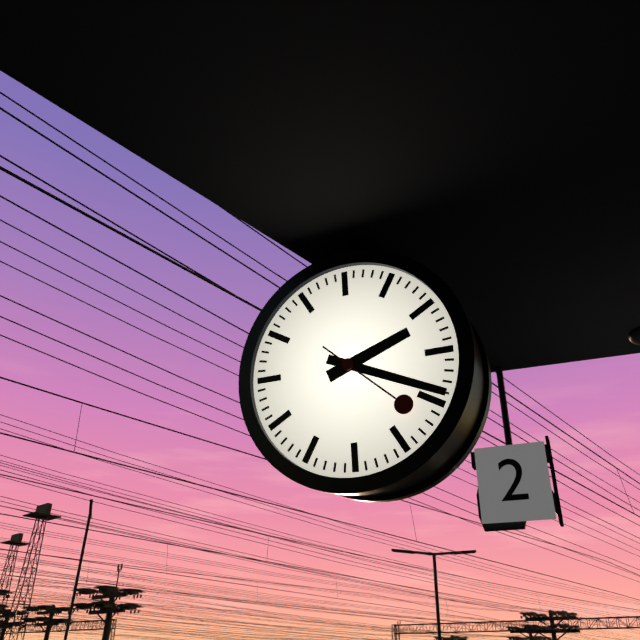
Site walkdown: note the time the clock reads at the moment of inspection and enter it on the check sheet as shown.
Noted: 2:19:22
